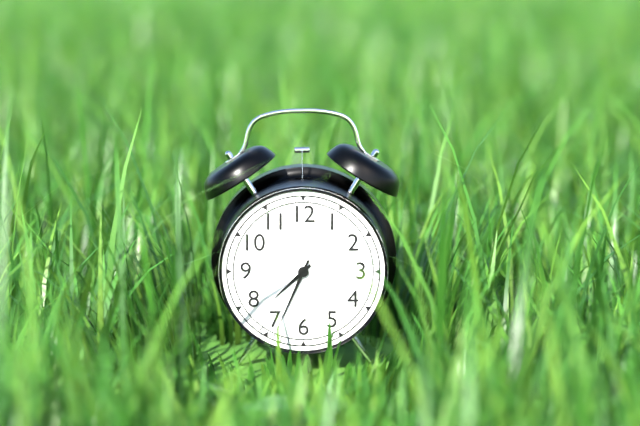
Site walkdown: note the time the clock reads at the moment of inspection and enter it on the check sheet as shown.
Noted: 7:34
